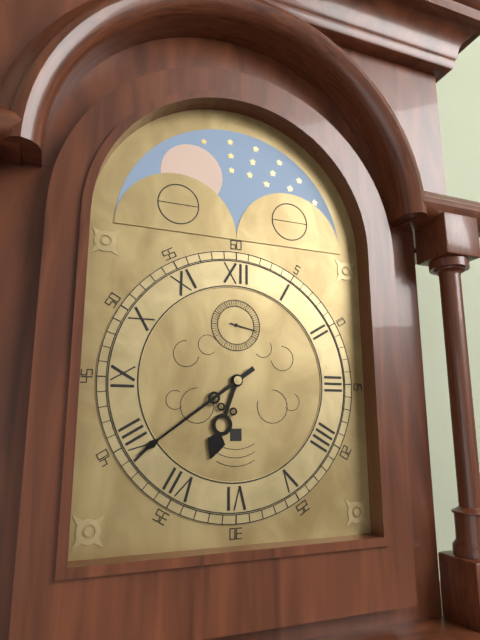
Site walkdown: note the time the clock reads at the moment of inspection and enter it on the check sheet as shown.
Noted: 6:39
